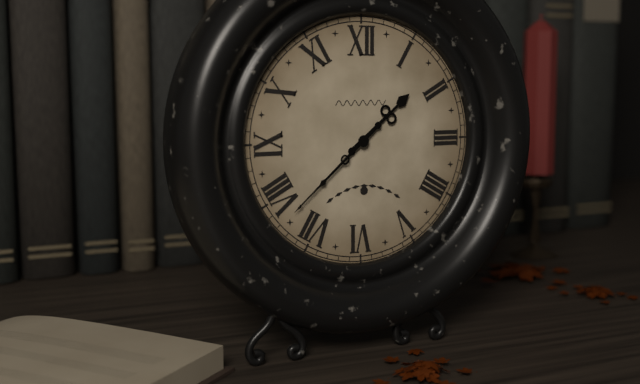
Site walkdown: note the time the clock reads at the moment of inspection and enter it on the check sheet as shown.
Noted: 1:38
